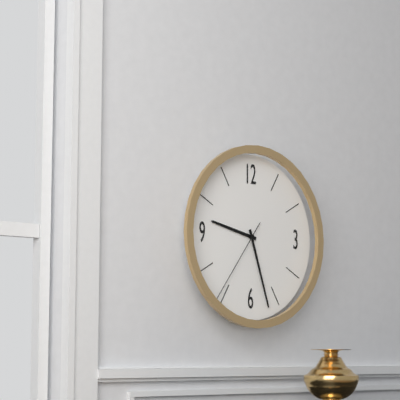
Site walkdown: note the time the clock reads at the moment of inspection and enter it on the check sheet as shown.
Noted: 9:27:36
